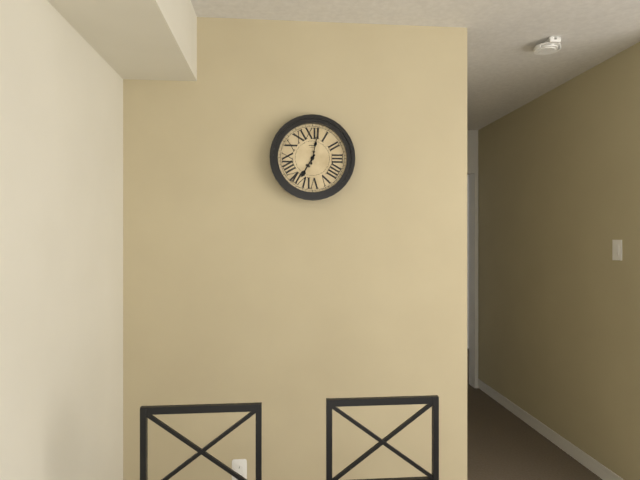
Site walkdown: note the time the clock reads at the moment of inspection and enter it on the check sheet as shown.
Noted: 7:02
